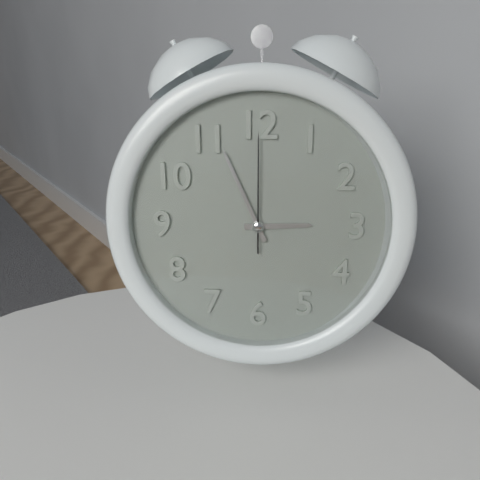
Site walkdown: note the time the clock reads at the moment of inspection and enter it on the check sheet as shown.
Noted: 2:56:00
